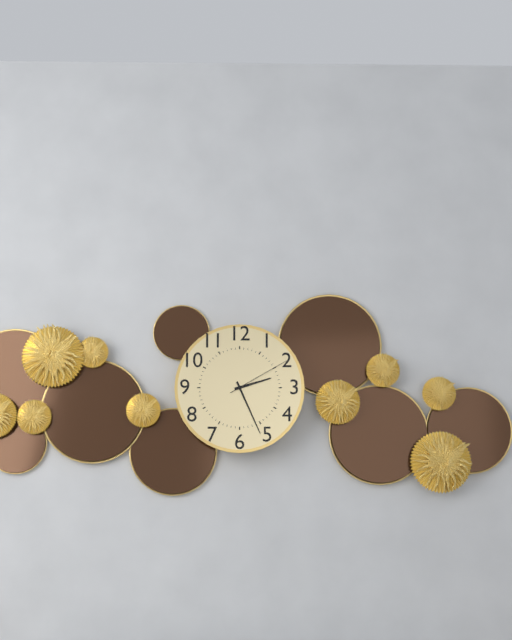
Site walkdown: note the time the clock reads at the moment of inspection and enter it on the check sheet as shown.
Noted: 2:26:10
